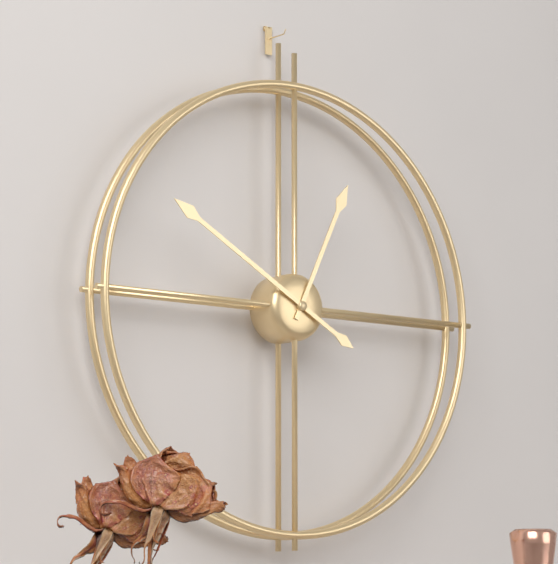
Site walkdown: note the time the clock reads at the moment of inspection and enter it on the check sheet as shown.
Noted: 12:50
